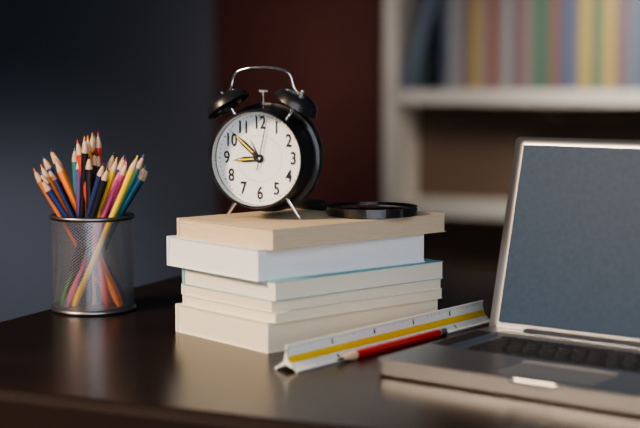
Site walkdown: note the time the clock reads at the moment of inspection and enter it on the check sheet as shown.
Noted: 8:52:02
